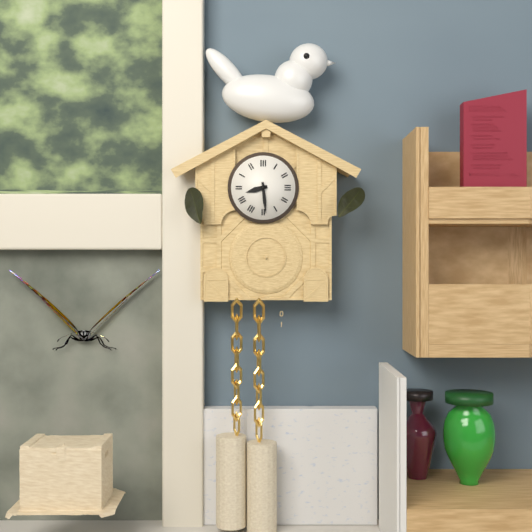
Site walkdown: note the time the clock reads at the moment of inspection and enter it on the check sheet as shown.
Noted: 8:29
